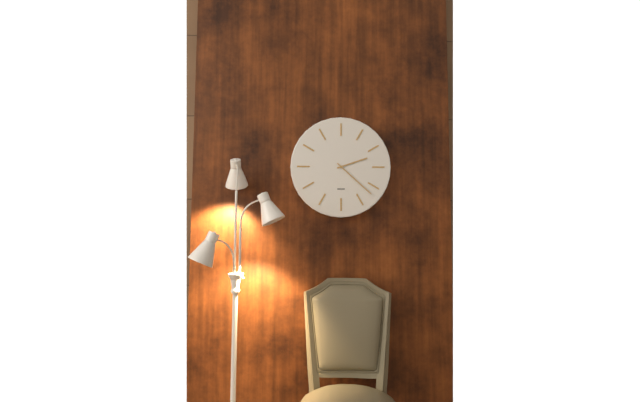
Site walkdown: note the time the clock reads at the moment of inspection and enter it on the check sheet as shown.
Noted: 2:22
